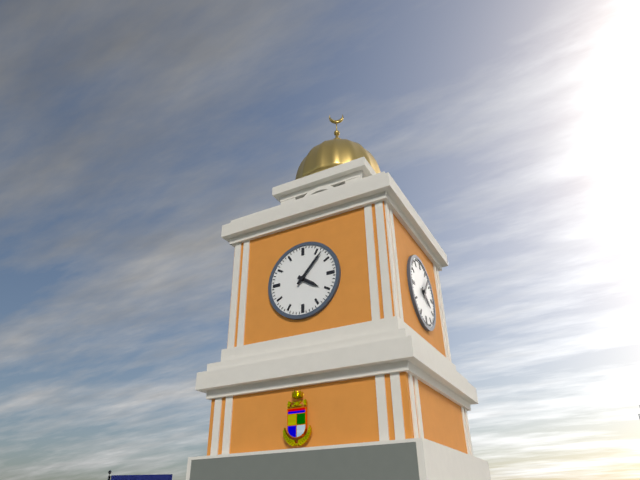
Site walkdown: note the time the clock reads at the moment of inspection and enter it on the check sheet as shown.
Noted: 4:07
